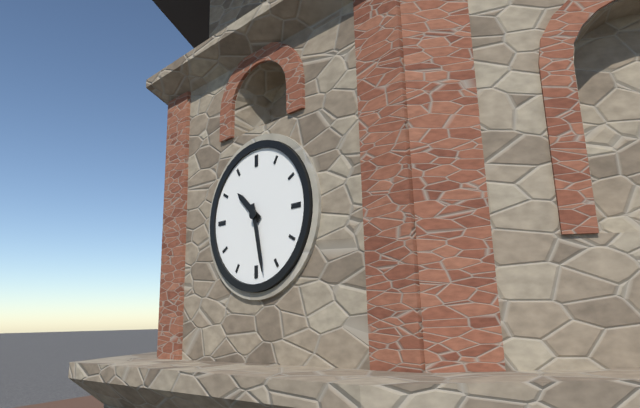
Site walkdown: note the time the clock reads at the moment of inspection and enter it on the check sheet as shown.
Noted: 10:28
